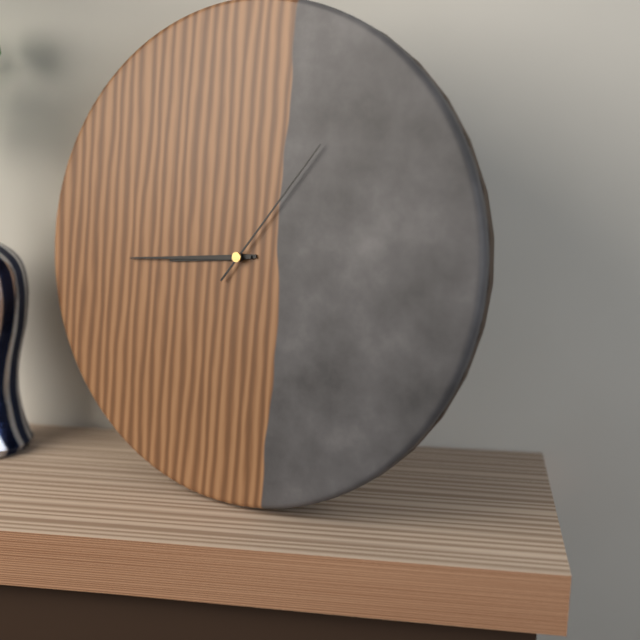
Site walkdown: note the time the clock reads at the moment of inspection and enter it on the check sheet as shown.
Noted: 8:44:06
